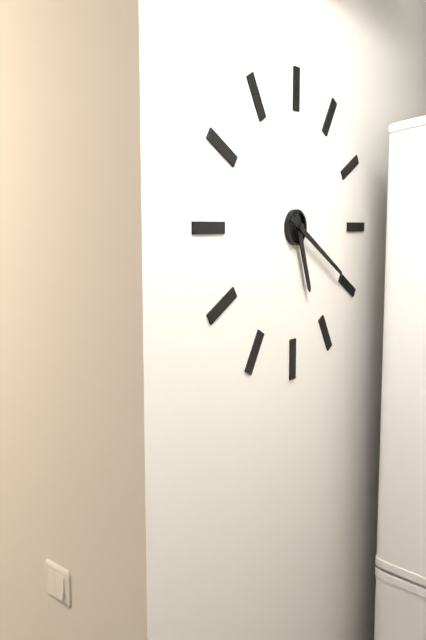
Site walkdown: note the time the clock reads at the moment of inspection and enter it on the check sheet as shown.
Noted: 5:20
